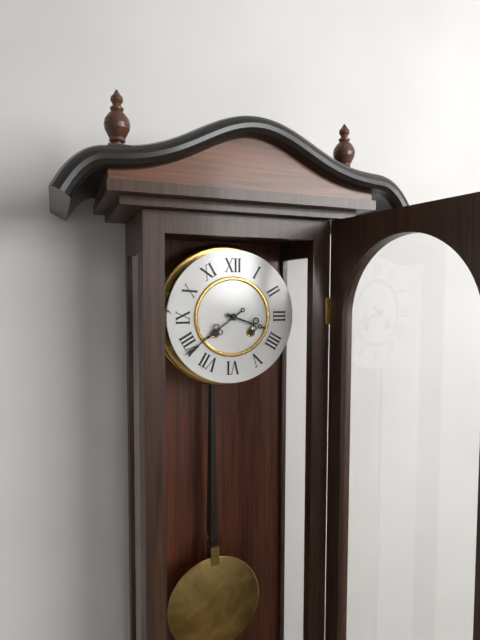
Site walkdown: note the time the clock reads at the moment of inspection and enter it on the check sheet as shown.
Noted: 3:39
